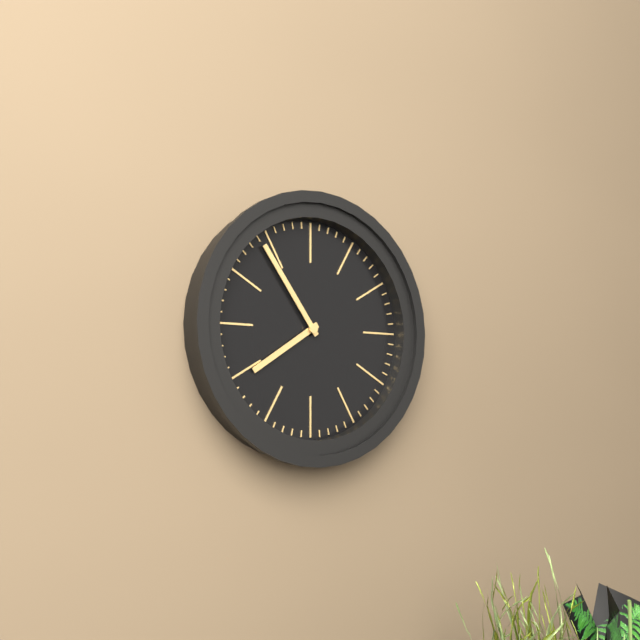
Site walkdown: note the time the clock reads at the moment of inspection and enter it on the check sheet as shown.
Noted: 7:54
